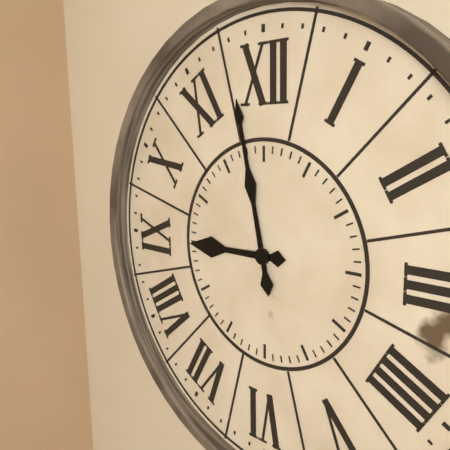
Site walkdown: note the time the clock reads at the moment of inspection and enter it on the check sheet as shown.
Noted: 8:58
